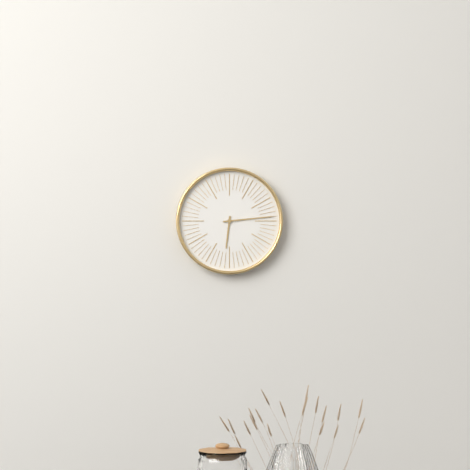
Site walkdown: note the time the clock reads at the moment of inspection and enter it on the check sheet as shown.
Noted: 6:14
